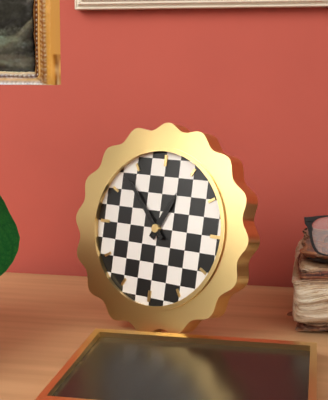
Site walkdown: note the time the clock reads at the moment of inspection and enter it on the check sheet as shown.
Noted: 12:53
